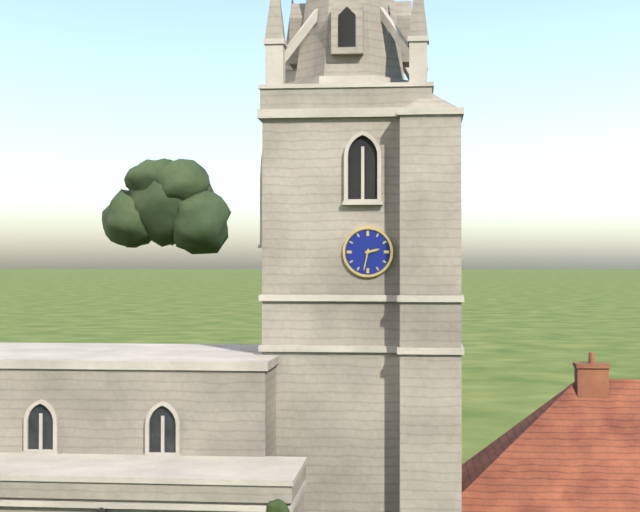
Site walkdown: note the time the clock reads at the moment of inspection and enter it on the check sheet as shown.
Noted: 2:32
